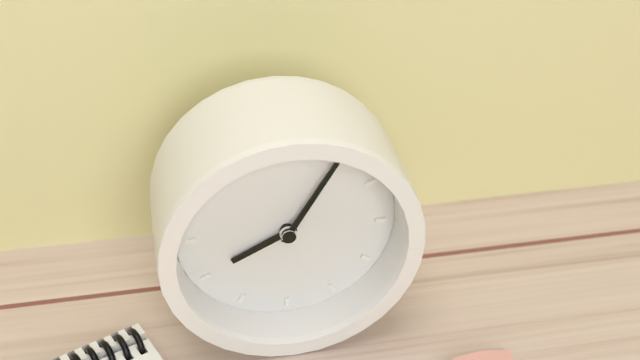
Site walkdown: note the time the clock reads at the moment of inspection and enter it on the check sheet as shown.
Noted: 8:05
